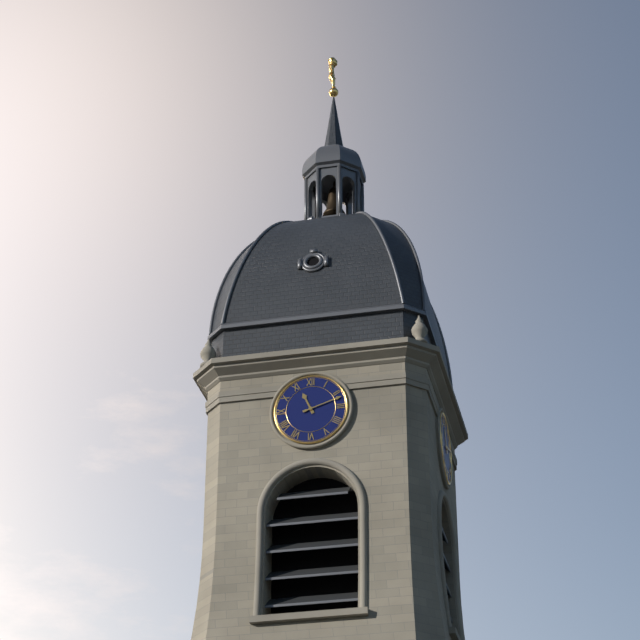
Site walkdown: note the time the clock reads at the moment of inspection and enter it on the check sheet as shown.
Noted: 11:12
